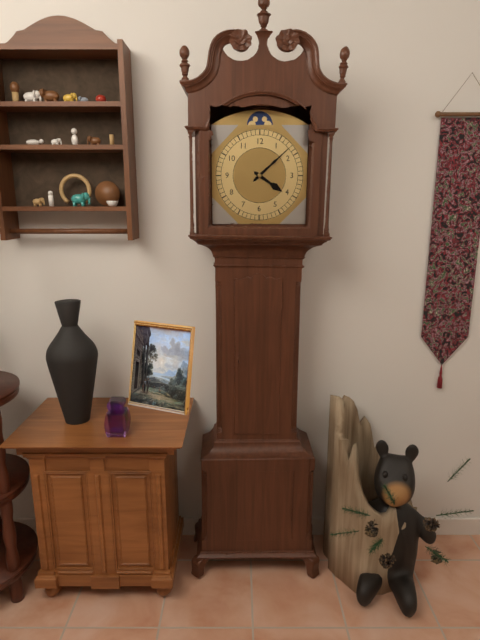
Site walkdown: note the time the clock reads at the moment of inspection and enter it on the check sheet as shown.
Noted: 4:08
